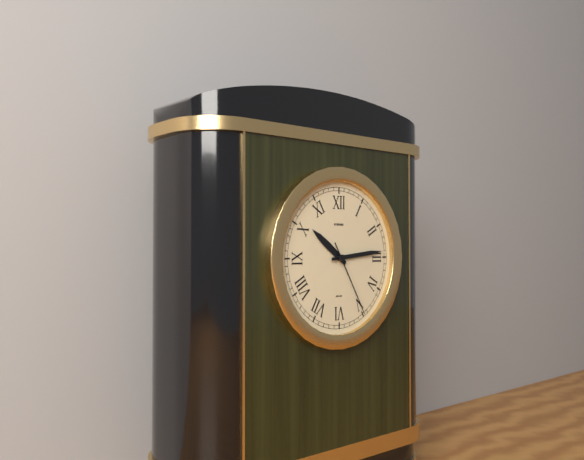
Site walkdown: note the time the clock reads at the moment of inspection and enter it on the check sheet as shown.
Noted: 10:14:25
